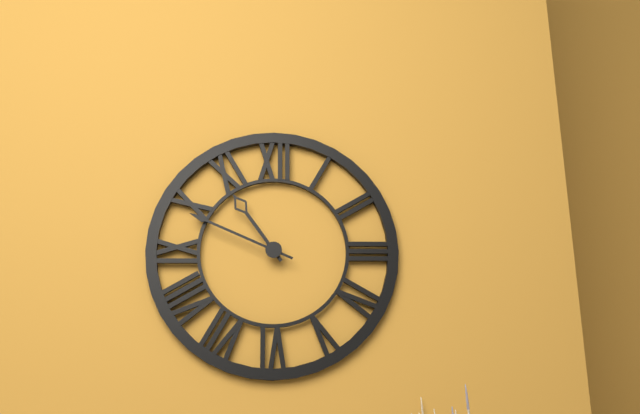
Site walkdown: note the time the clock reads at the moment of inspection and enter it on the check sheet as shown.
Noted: 10:49
